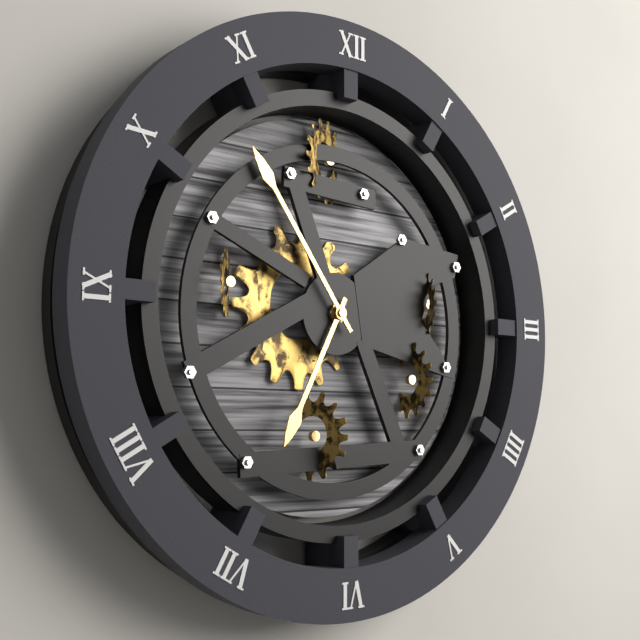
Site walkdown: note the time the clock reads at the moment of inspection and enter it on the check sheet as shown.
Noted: 6:54
